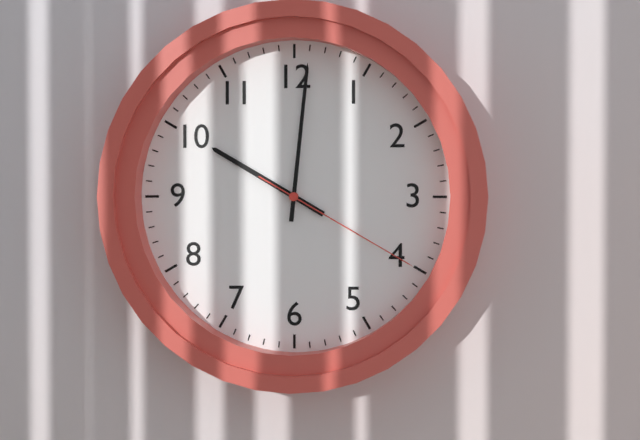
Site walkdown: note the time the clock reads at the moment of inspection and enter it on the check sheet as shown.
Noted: 10:01:20
